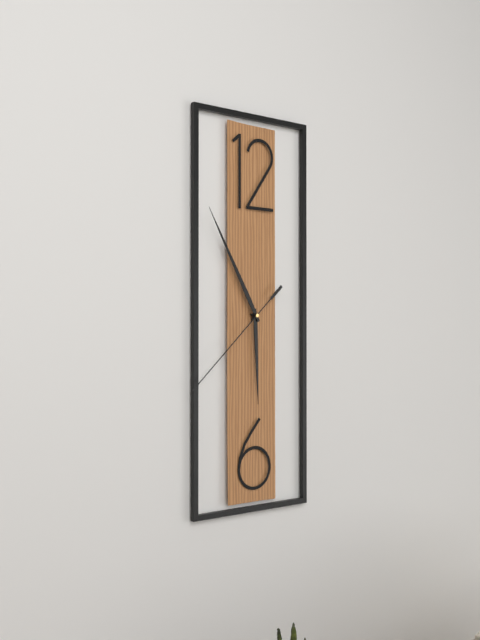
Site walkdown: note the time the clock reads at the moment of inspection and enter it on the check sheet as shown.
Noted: 5:55:38
